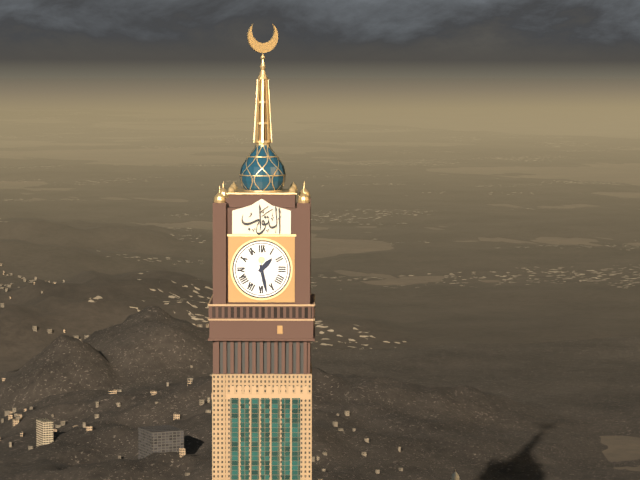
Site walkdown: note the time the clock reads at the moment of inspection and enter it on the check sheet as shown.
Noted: 1:28
